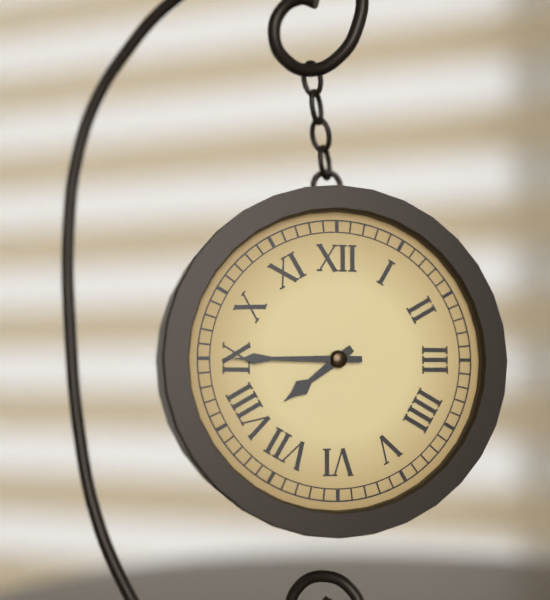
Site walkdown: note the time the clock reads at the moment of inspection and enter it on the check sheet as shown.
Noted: 7:45
